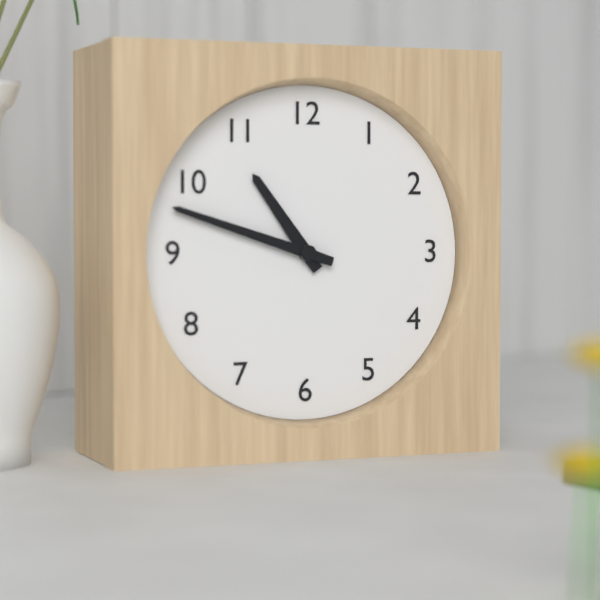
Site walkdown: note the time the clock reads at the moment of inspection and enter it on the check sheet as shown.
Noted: 10:48
